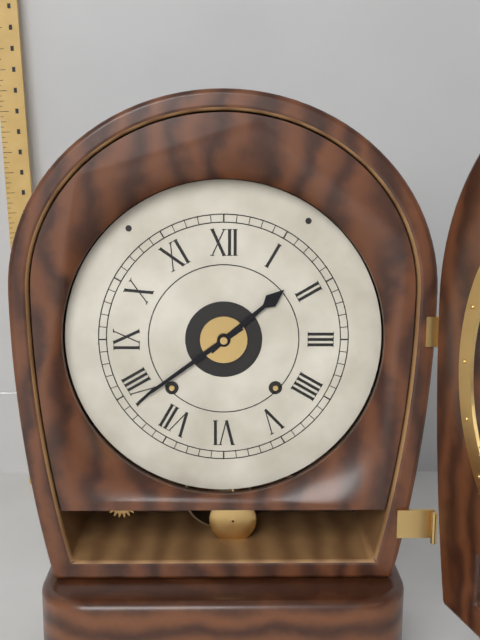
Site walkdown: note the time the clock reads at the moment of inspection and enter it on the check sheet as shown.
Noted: 1:39
